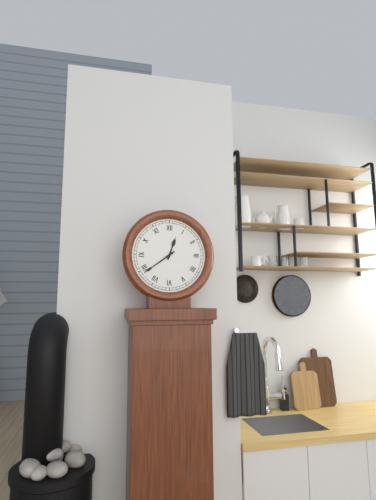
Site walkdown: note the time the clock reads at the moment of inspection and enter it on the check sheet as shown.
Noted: 12:39
